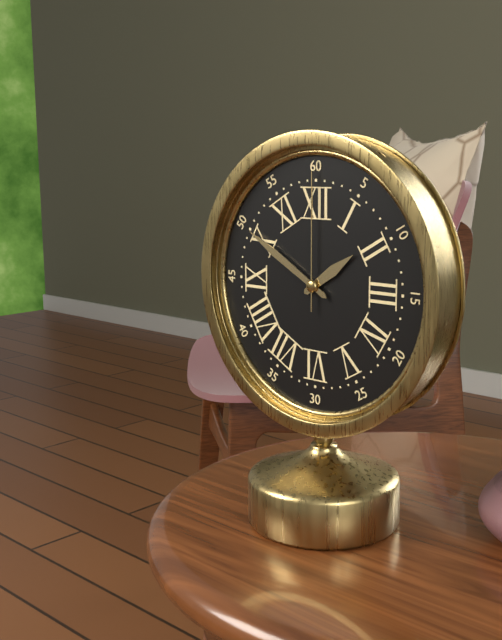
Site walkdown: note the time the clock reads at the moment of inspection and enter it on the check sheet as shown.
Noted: 1:50:00
